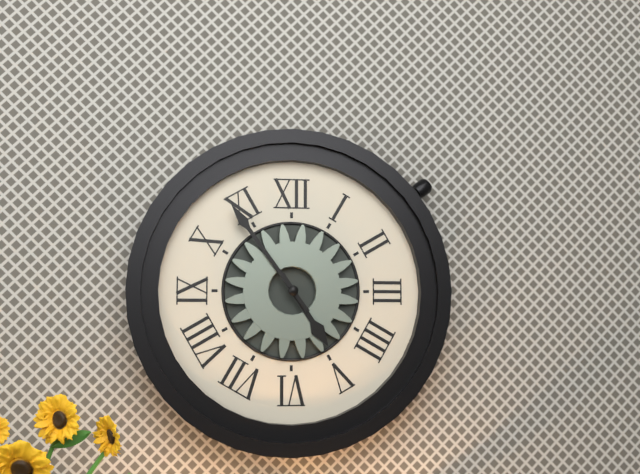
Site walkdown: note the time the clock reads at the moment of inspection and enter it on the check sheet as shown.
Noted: 4:54
